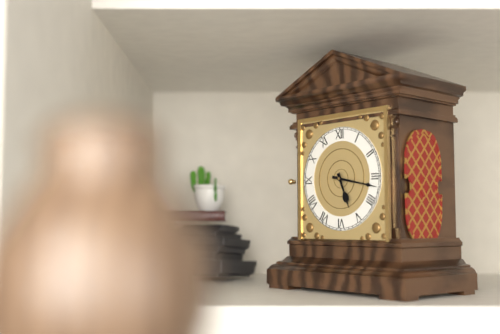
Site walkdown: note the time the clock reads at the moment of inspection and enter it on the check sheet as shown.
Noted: 5:17
